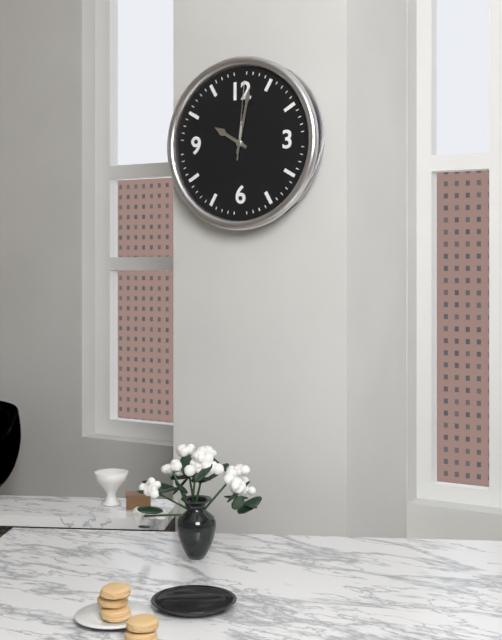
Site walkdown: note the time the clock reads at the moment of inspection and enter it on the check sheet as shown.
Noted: 10:02:01
